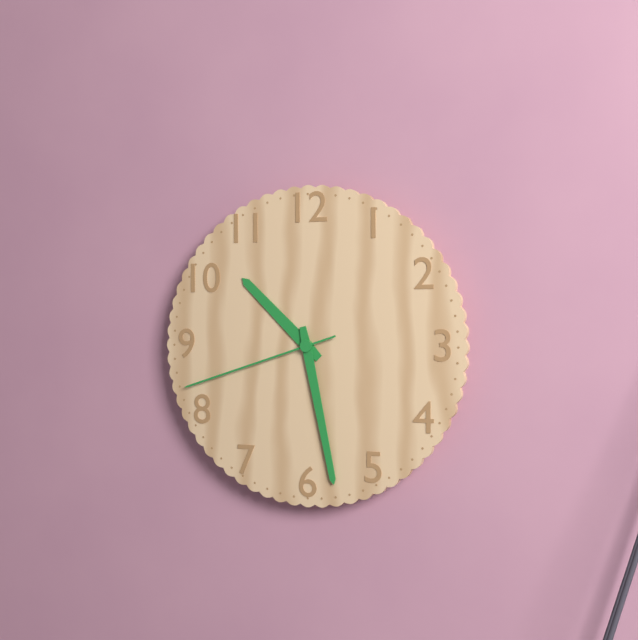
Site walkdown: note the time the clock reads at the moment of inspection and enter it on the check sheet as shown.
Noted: 10:28:42
